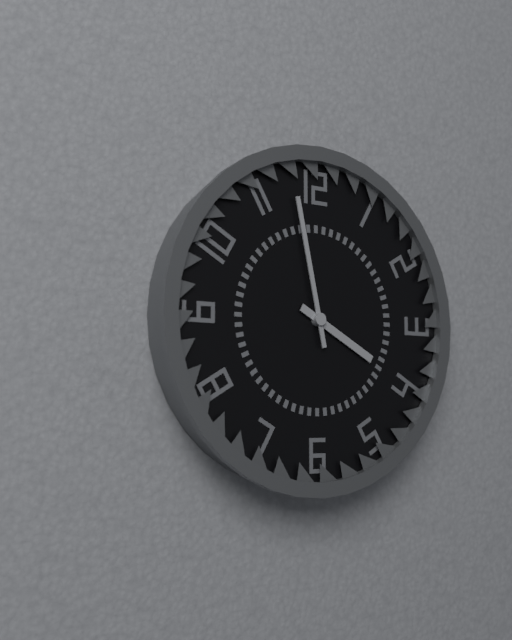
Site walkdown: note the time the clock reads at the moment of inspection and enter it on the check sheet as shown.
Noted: 3:58
